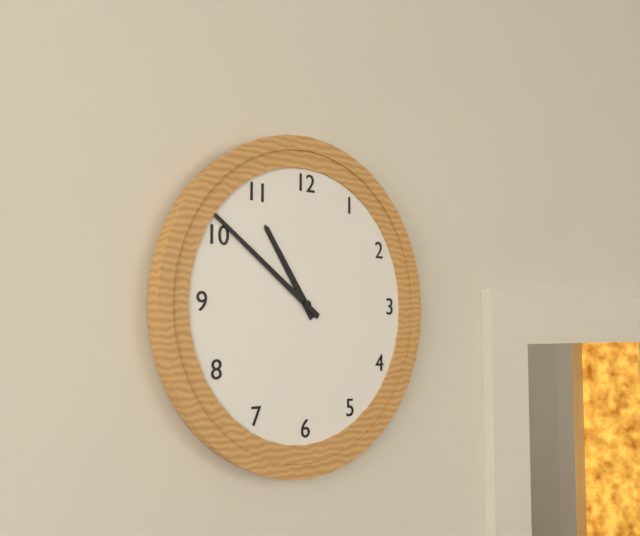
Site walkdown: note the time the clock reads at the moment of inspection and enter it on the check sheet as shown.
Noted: 10:51
